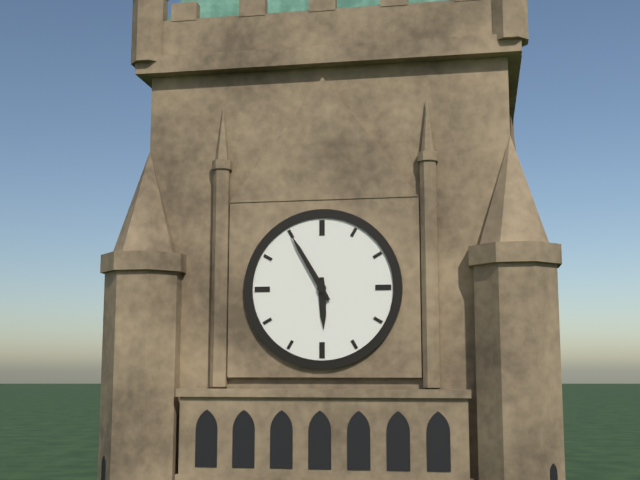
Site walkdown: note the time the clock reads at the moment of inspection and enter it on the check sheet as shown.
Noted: 5:55
